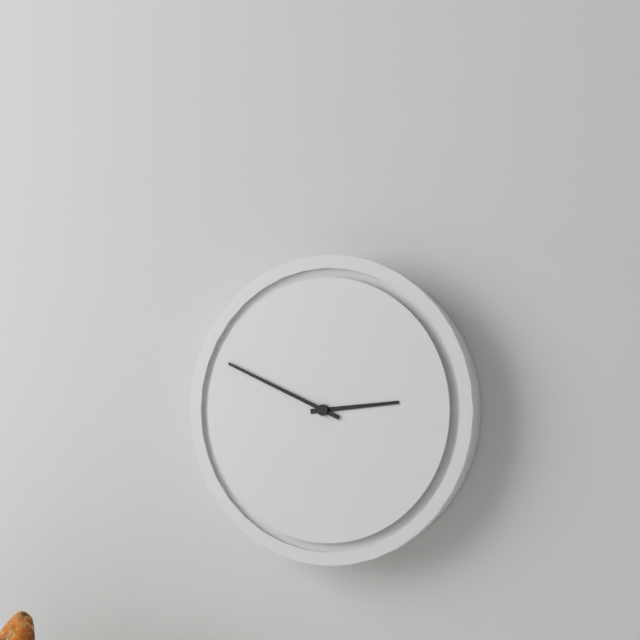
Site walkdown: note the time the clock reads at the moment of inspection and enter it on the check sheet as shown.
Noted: 2:49
